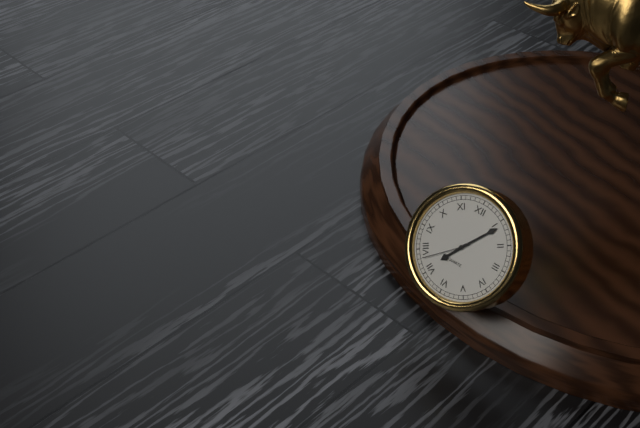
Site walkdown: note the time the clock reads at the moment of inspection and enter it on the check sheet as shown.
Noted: 7:06:38
